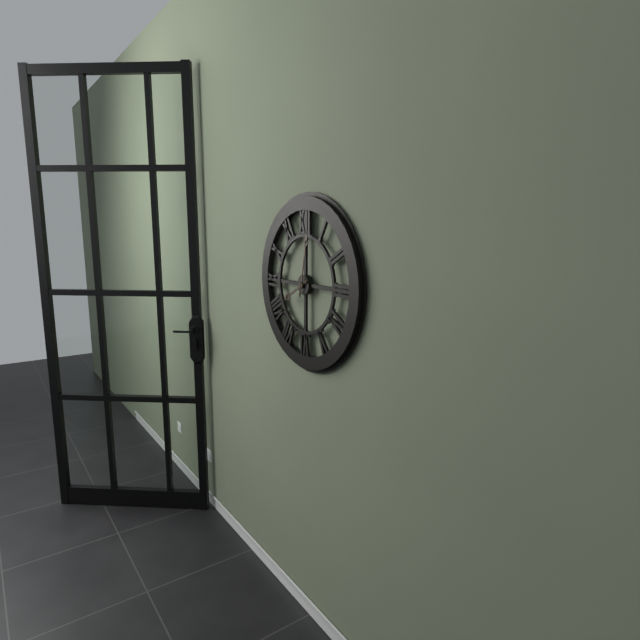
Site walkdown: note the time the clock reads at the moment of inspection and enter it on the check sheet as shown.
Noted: 8:02
